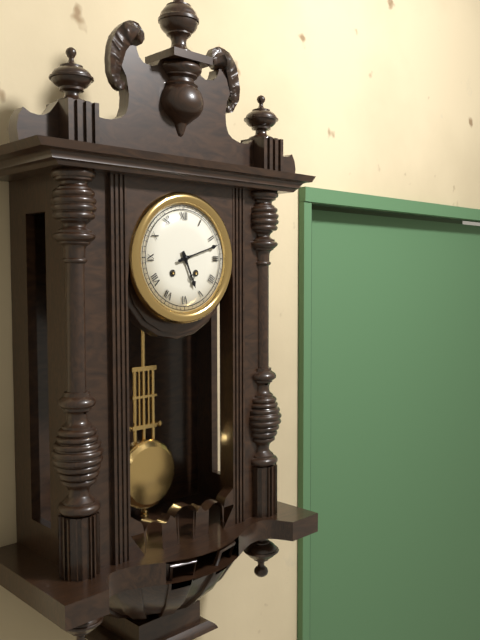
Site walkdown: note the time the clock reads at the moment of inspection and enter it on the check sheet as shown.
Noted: 5:12
